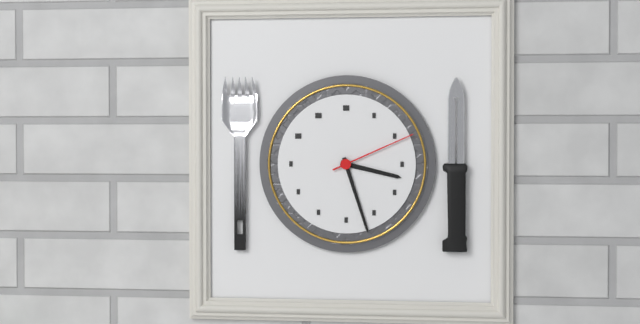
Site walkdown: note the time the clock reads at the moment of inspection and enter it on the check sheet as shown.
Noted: 3:27:11
